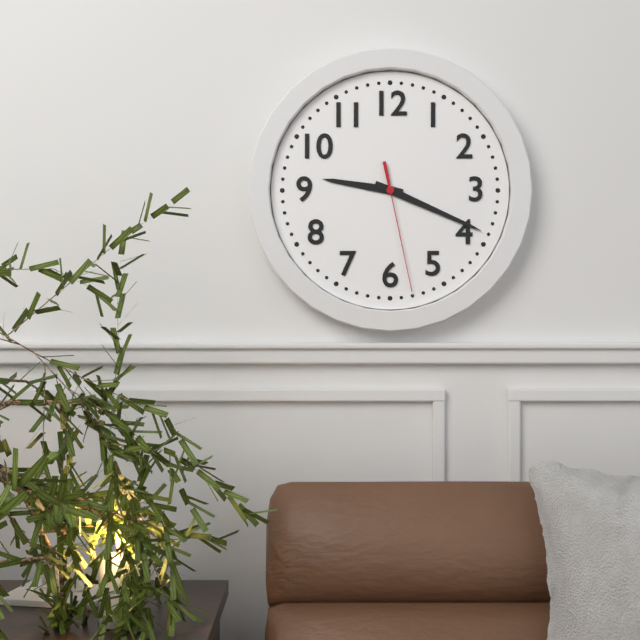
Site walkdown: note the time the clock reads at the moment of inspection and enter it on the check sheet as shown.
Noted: 9:19:28
